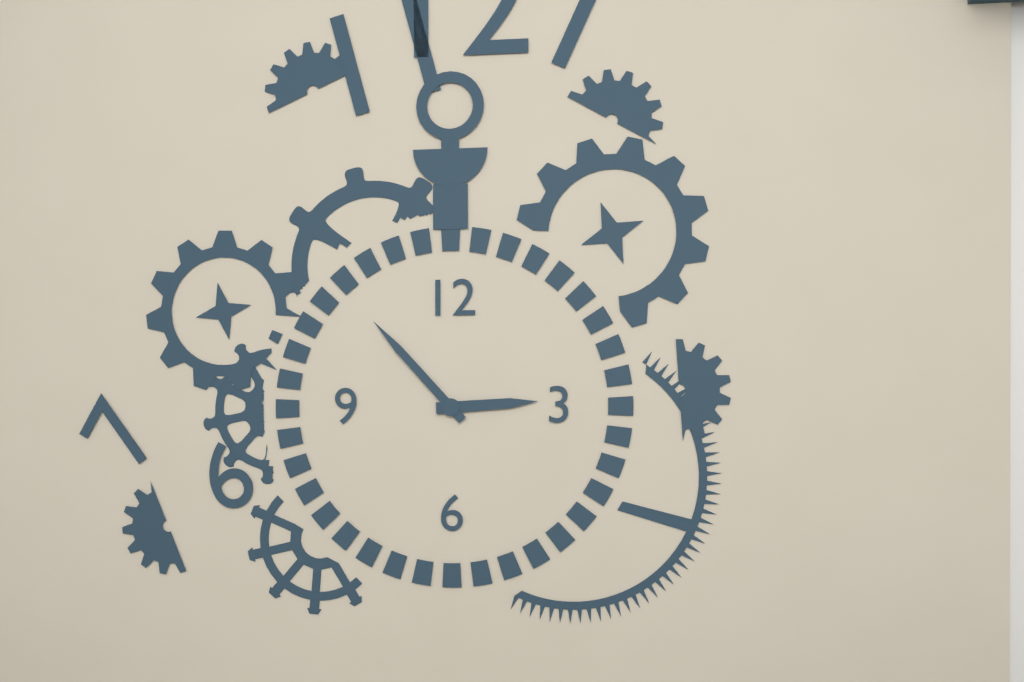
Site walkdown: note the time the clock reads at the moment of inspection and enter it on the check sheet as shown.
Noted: 2:53
